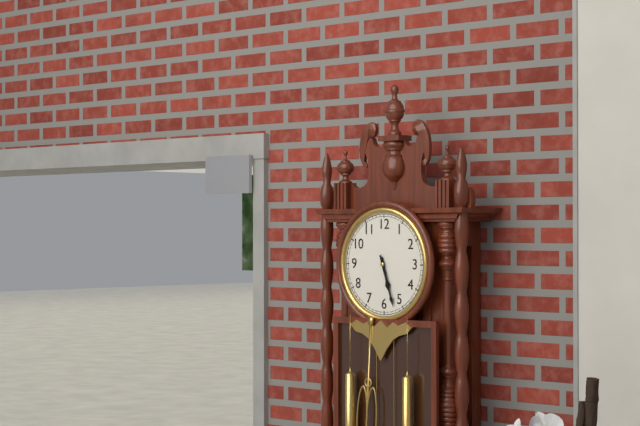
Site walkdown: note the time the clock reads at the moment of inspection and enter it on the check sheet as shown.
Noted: 5:27
